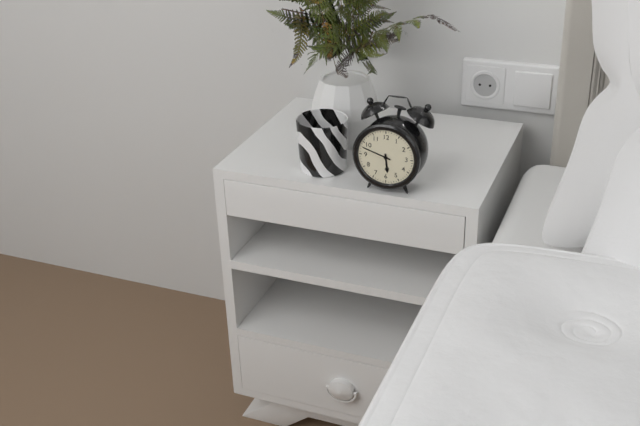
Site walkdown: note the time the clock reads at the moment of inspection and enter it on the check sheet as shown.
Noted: 5:48
